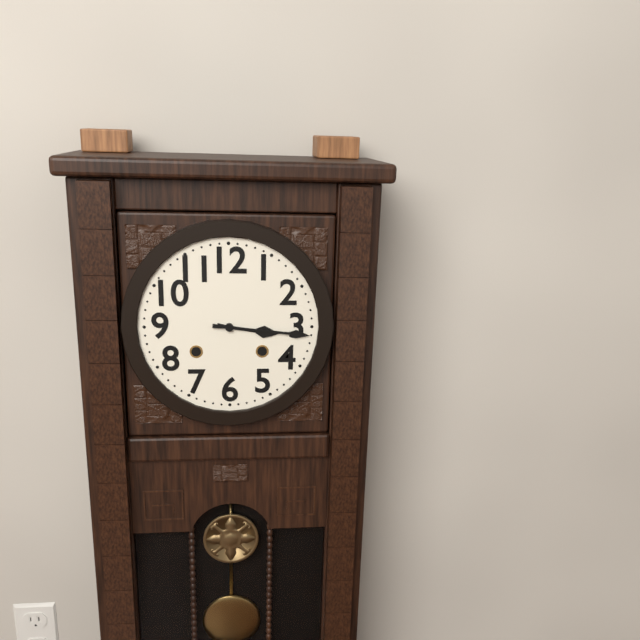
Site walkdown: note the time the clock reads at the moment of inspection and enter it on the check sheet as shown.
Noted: 3:16
